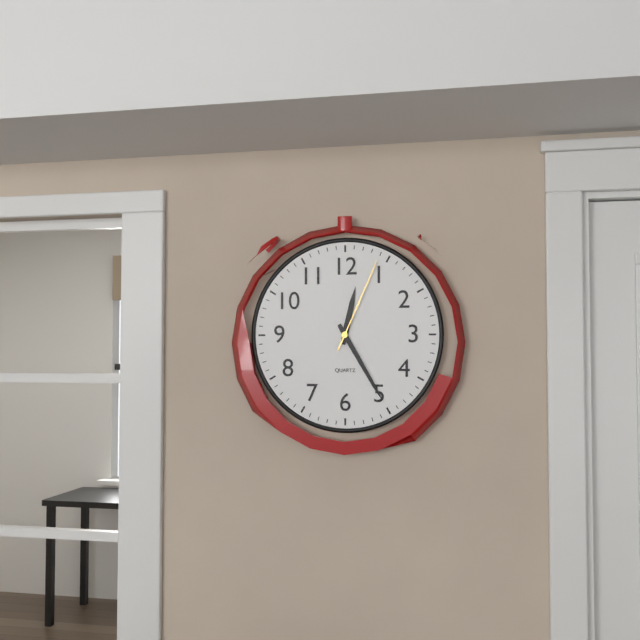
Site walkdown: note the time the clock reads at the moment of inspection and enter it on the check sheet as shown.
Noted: 12:25:04
